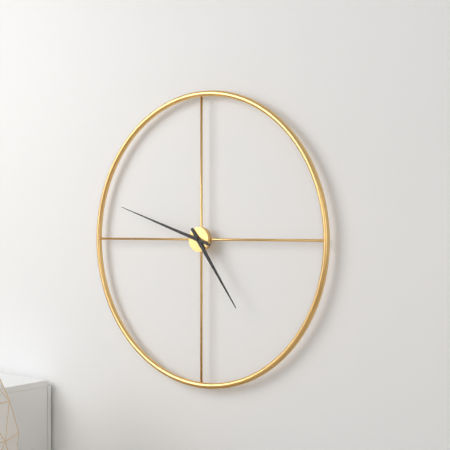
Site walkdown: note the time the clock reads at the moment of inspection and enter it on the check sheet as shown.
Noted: 4:48
